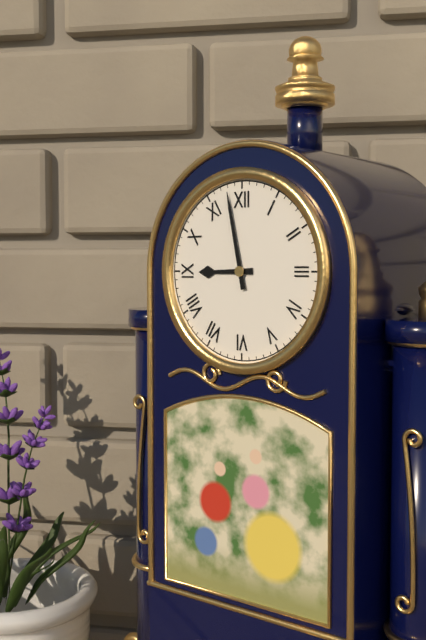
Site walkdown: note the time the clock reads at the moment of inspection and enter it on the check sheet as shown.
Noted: 8:58
